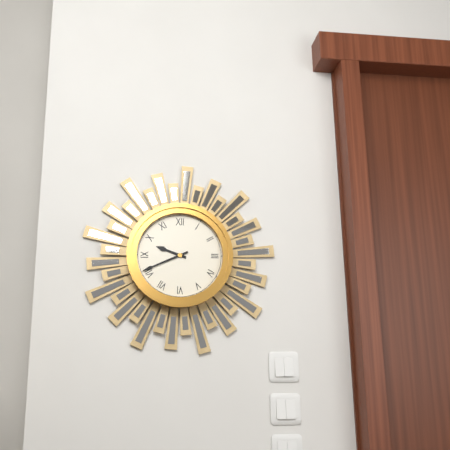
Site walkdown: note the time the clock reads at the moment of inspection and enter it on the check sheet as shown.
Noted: 9:41
